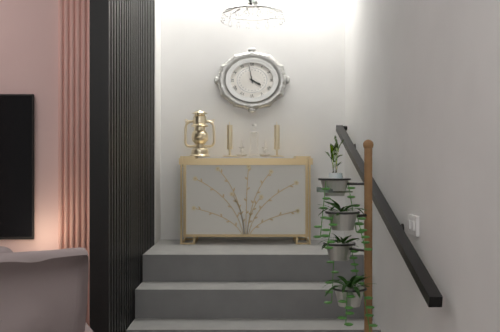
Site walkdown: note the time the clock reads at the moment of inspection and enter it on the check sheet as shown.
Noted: 3:58
